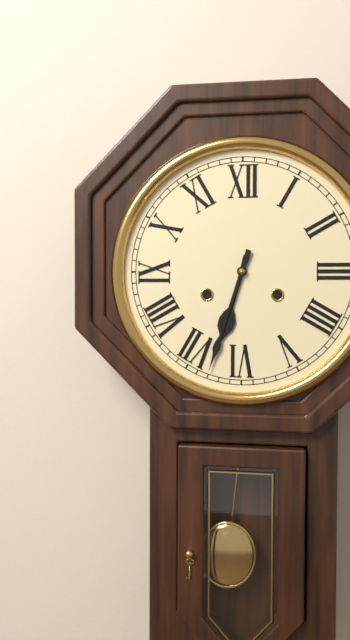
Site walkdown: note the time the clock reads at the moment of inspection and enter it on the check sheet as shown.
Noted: 6:33
